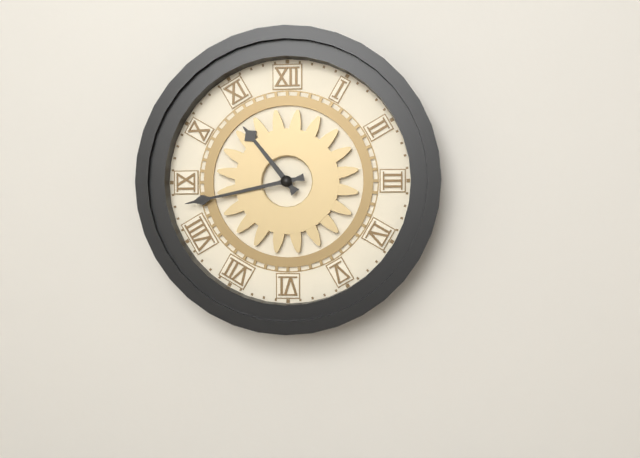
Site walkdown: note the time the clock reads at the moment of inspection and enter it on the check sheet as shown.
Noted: 10:43
